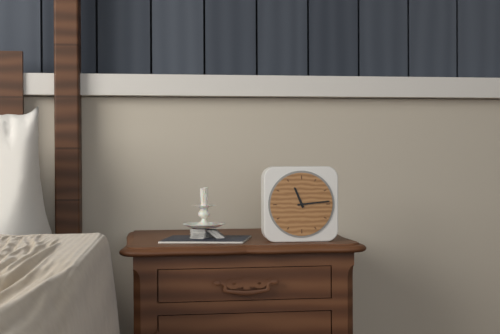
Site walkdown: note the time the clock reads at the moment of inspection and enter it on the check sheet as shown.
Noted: 11:14
